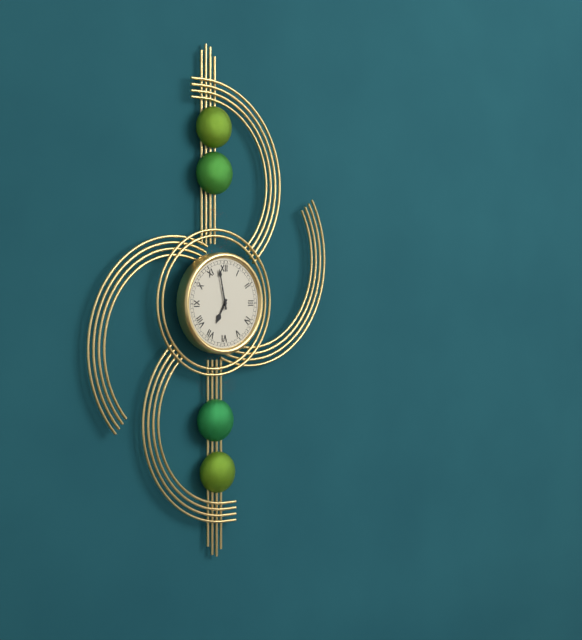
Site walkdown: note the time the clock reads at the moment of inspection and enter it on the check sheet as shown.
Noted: 6:58
